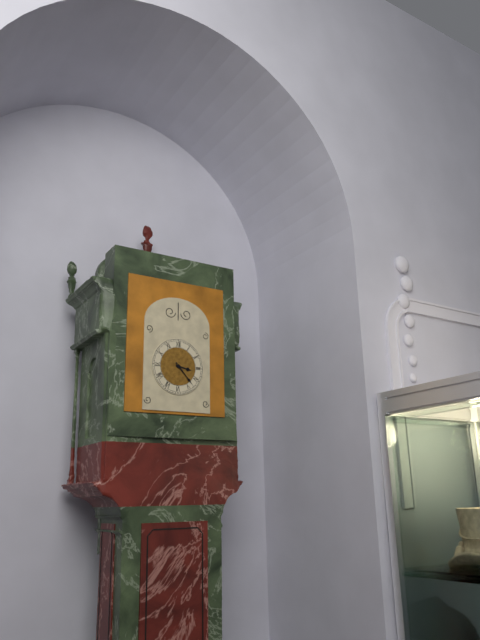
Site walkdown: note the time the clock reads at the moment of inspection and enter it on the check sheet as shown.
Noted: 3:23
